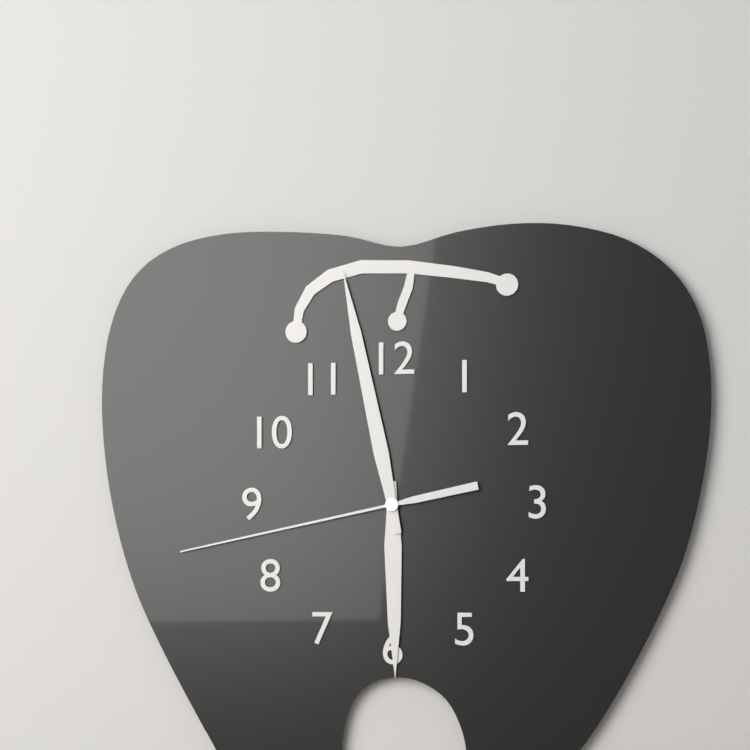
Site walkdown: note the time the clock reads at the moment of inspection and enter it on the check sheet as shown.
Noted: 5:58:43
